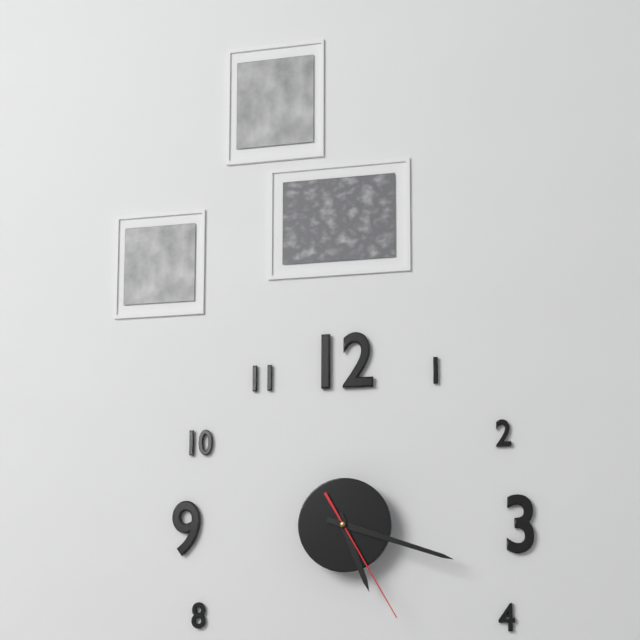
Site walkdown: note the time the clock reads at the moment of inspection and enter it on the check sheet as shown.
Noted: 5:18:25
